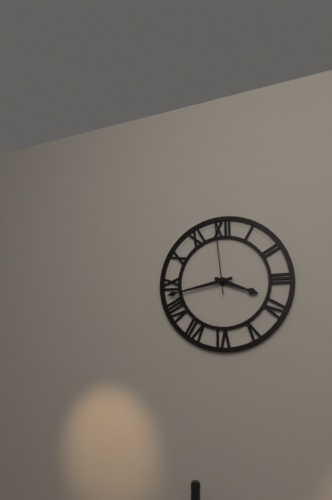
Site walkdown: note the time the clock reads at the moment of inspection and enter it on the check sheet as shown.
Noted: 3:43:59
